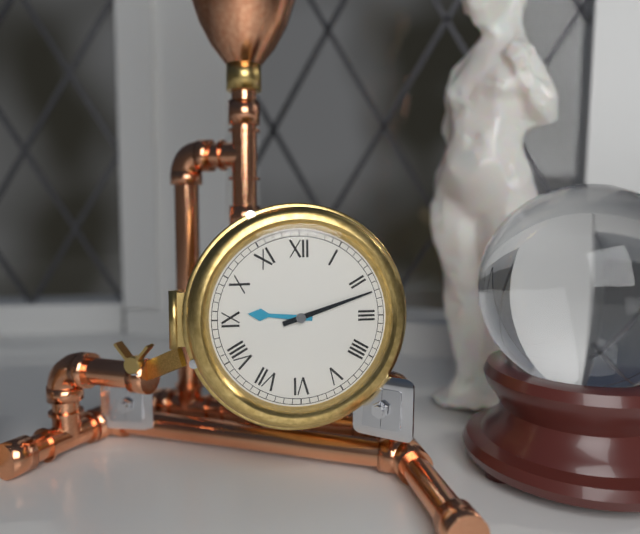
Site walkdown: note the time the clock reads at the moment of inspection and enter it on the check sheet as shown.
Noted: 9:12
